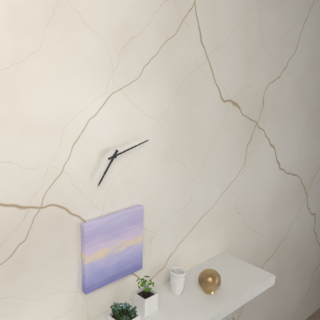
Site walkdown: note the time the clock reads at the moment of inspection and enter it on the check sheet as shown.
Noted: 7:13
